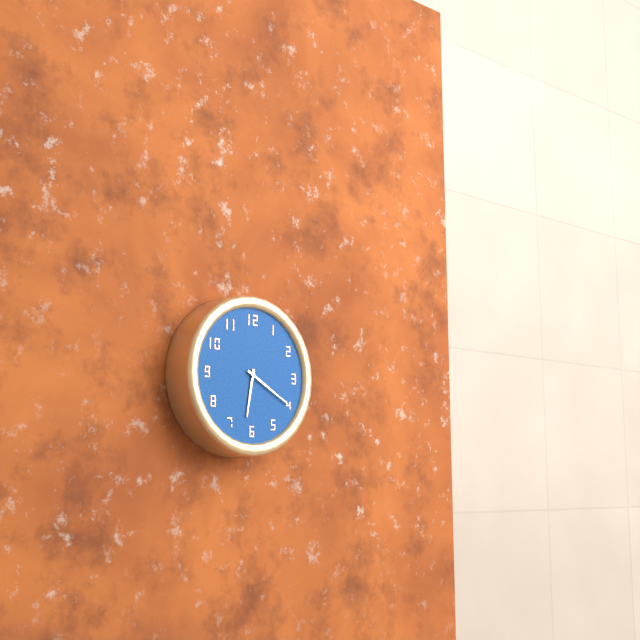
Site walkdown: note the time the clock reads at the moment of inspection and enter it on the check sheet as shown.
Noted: 6:20
